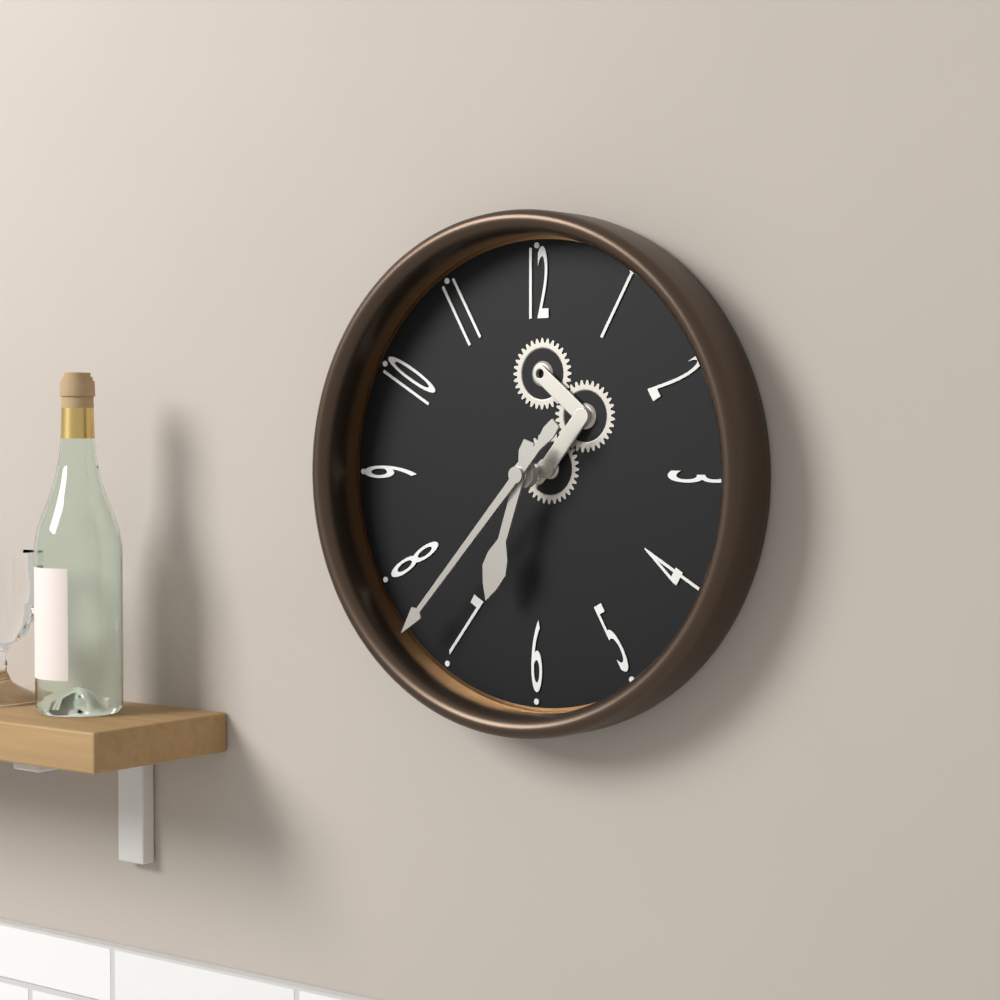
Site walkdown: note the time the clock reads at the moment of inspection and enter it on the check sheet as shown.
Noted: 6:37
